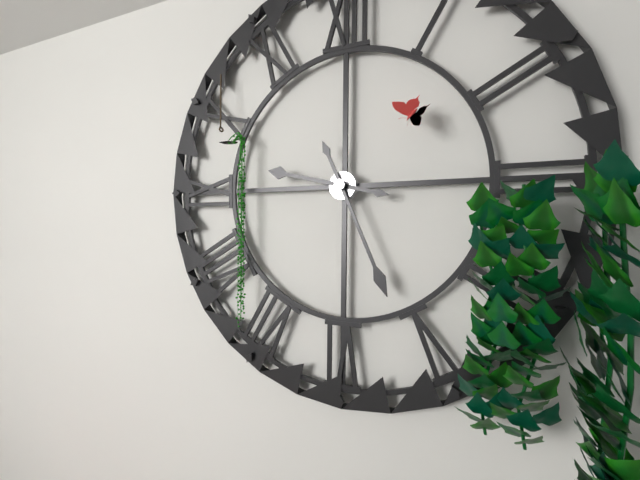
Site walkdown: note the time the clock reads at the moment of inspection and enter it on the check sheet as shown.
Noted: 9:26
